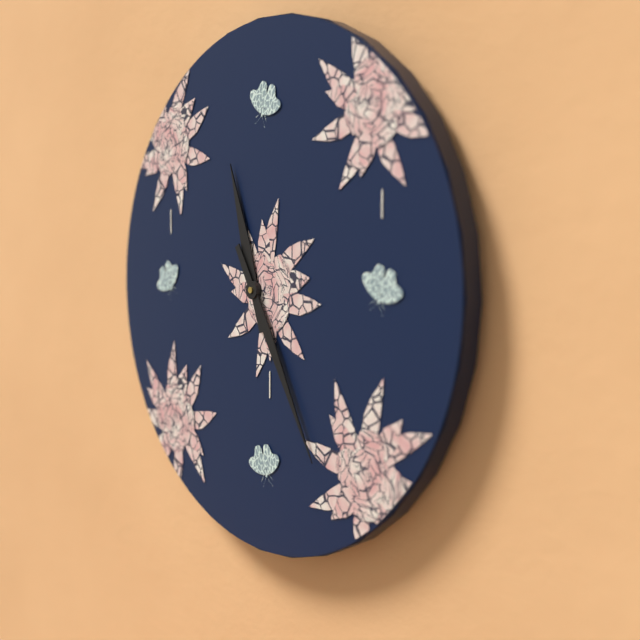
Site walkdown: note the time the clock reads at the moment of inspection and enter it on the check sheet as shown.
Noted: 11:25
